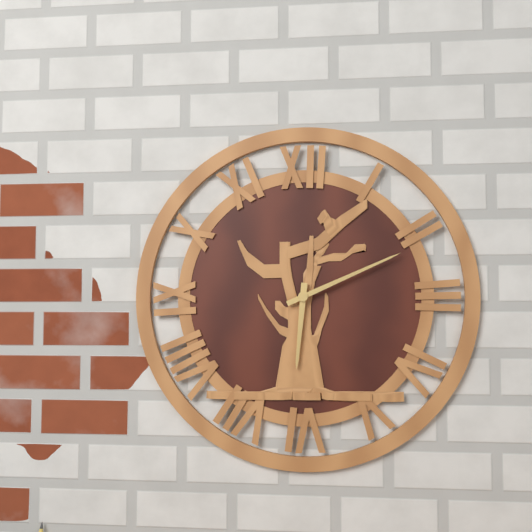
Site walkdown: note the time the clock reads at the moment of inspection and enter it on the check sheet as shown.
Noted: 6:11
